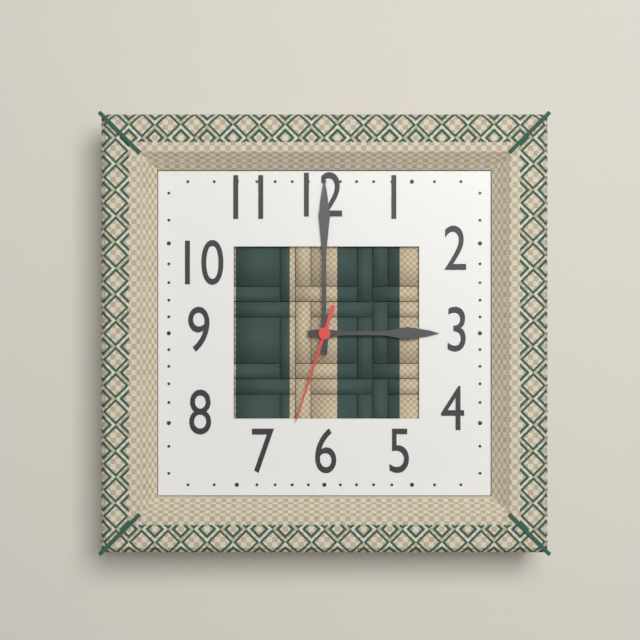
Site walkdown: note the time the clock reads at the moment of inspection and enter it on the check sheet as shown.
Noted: 3:00:33
